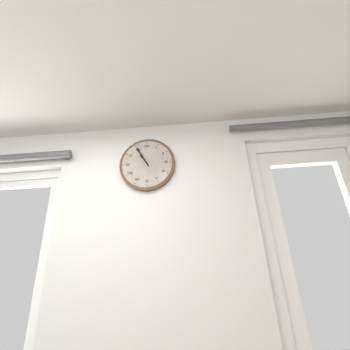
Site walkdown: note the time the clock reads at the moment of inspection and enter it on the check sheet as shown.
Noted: 10:55
